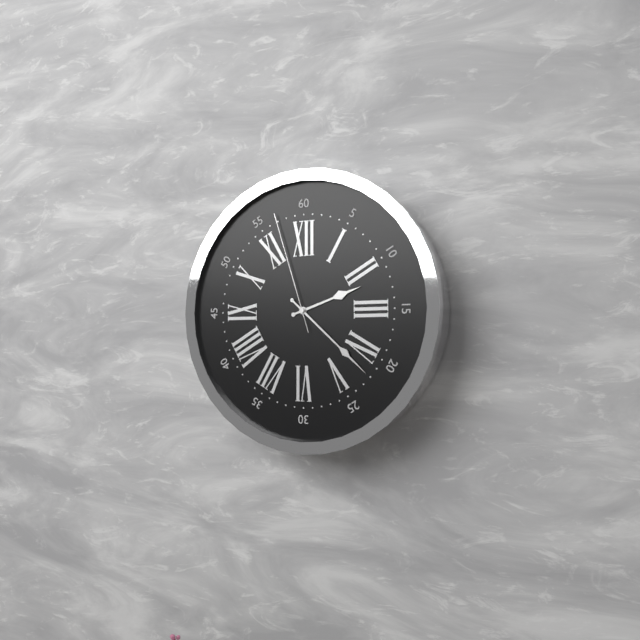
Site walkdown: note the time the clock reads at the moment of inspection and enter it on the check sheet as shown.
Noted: 2:22:57
